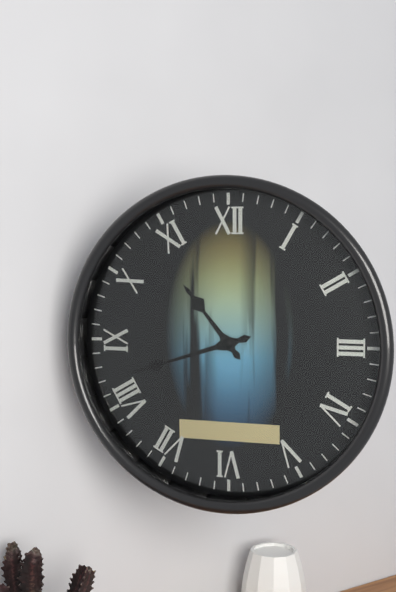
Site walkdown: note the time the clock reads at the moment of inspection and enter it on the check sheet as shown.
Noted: 10:42
